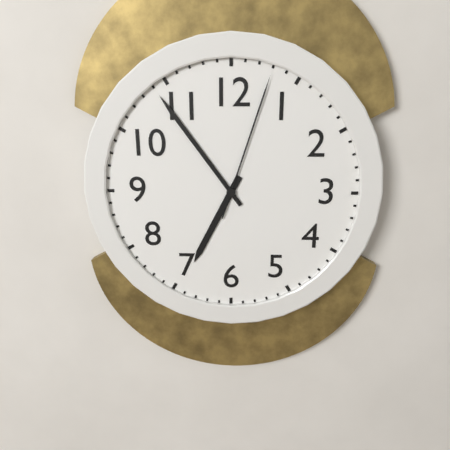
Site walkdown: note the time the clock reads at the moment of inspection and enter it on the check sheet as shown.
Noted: 6:54:03
